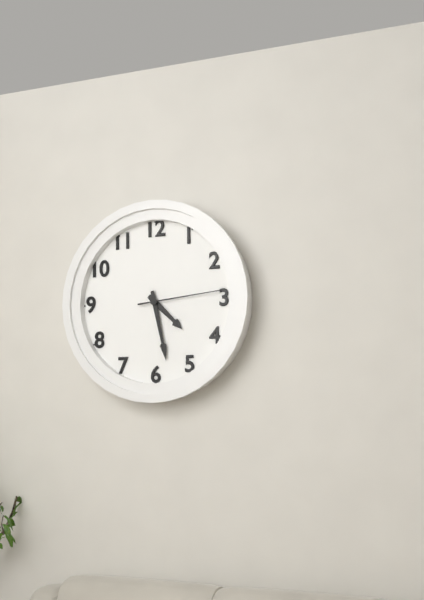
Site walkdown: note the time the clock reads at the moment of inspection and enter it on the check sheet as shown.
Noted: 4:28:14
